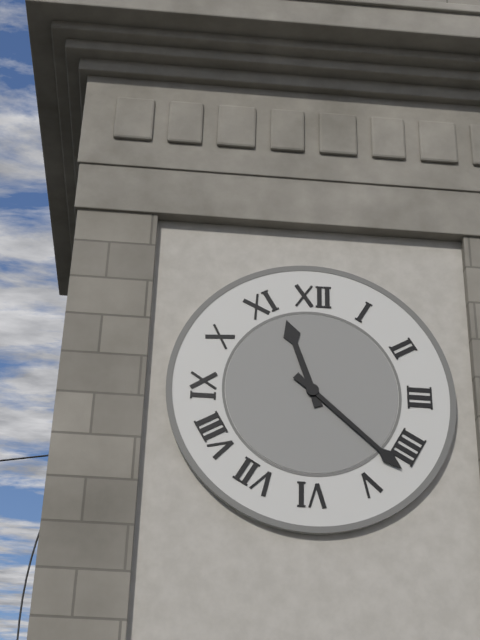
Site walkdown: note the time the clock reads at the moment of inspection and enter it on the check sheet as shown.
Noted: 11:22
